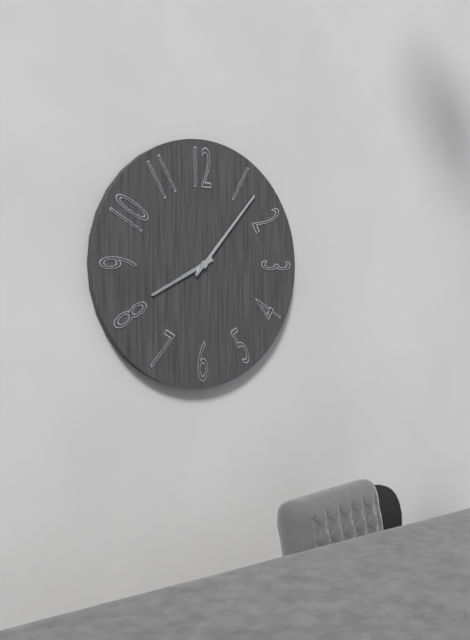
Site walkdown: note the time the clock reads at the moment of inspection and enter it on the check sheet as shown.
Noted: 8:07
